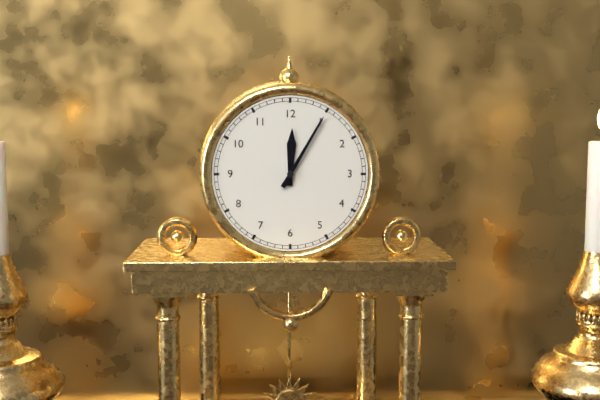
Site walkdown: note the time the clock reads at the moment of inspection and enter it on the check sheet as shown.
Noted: 12:05
